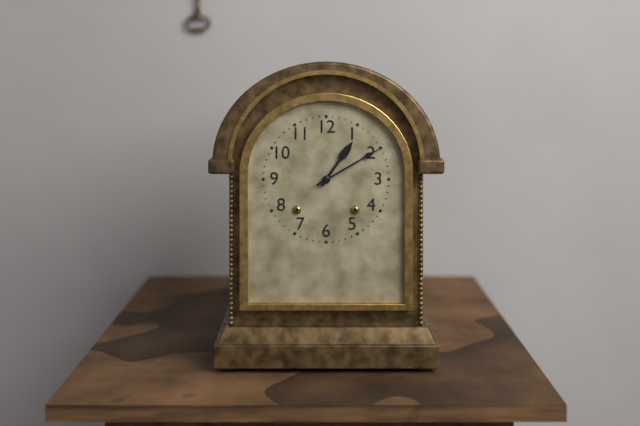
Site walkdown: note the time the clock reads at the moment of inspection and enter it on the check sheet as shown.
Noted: 1:10
